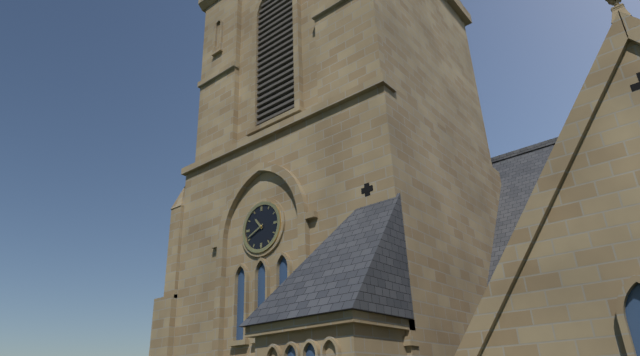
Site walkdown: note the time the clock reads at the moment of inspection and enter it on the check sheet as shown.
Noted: 10:41
